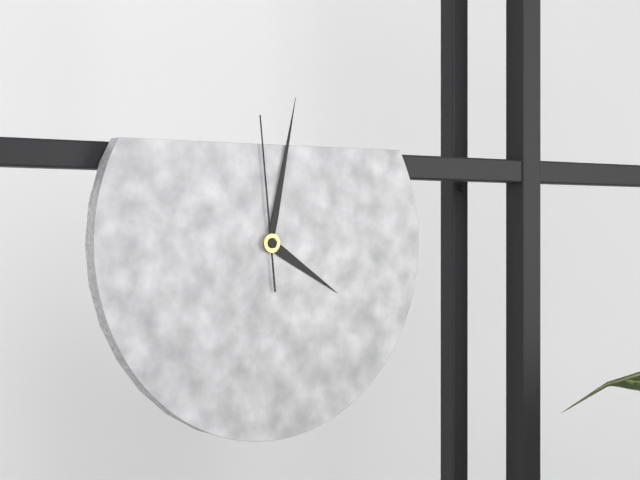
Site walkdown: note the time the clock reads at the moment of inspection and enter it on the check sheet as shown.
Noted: 4:02:59
